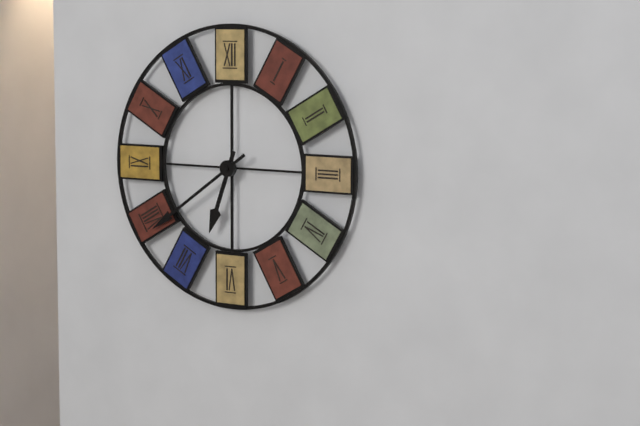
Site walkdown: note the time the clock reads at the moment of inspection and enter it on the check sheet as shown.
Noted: 6:39
